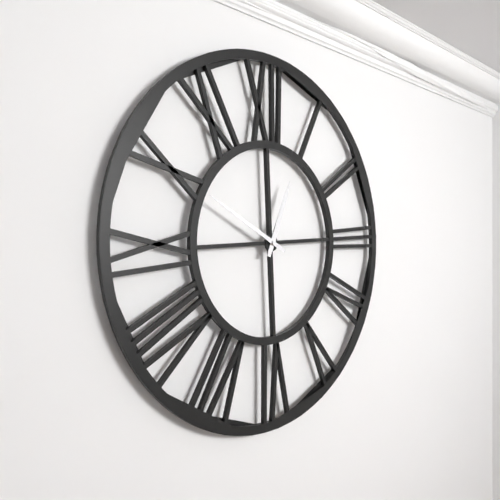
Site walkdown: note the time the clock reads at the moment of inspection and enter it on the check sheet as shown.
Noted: 12:50
